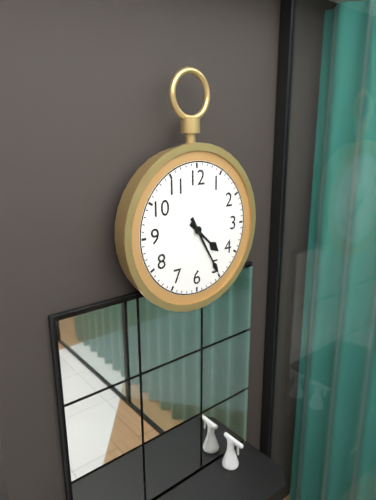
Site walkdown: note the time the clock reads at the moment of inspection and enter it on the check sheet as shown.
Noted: 4:25
